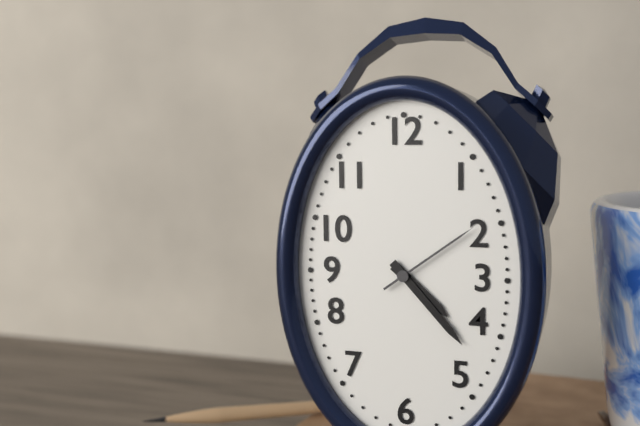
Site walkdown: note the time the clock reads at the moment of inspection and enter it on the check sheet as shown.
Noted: 4:23:09
